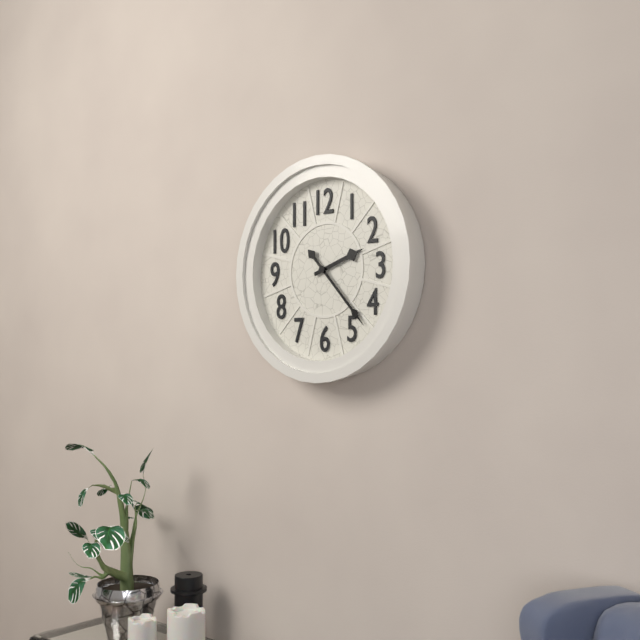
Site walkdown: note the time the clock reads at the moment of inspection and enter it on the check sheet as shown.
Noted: 2:23
